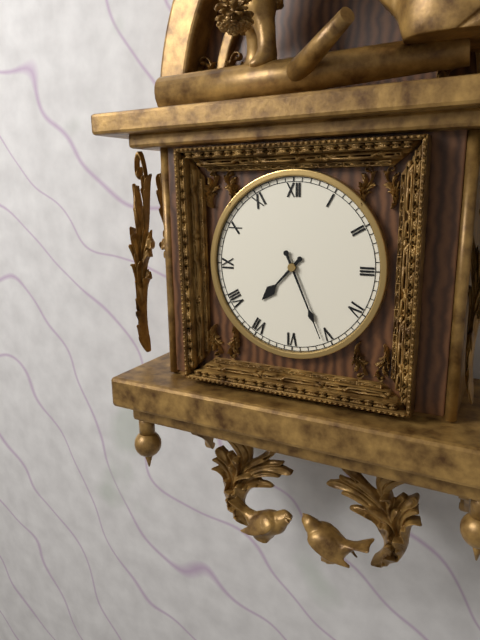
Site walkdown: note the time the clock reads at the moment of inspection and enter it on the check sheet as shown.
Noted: 7:26
